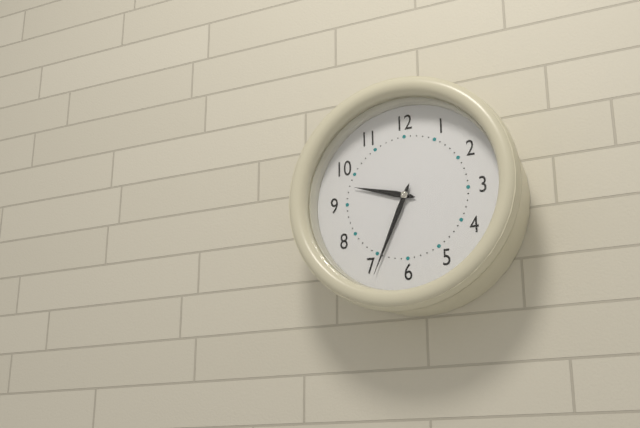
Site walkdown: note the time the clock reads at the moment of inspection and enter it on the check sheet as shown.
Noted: 9:34
